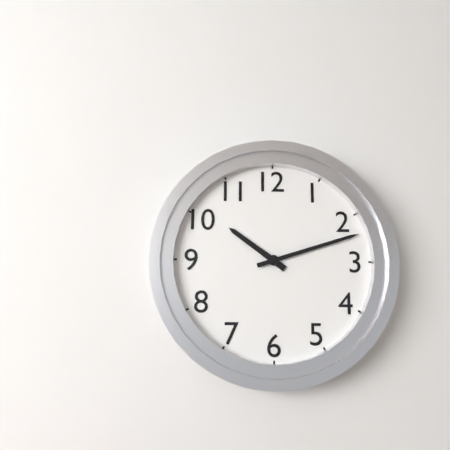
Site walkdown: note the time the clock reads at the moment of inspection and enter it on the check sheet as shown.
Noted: 10:12
